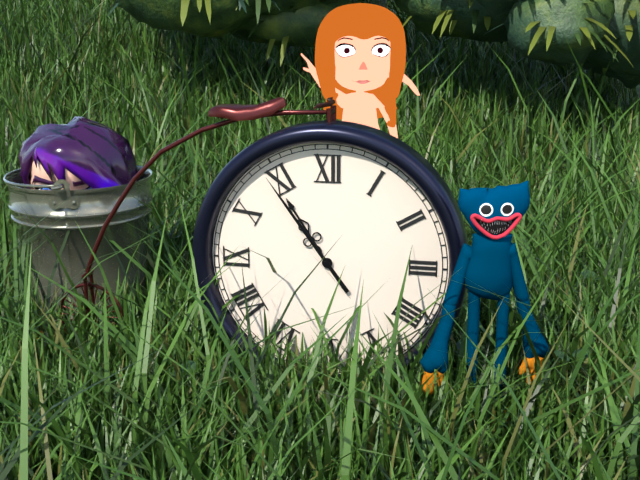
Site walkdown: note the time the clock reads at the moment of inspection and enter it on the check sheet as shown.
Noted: 10:54
